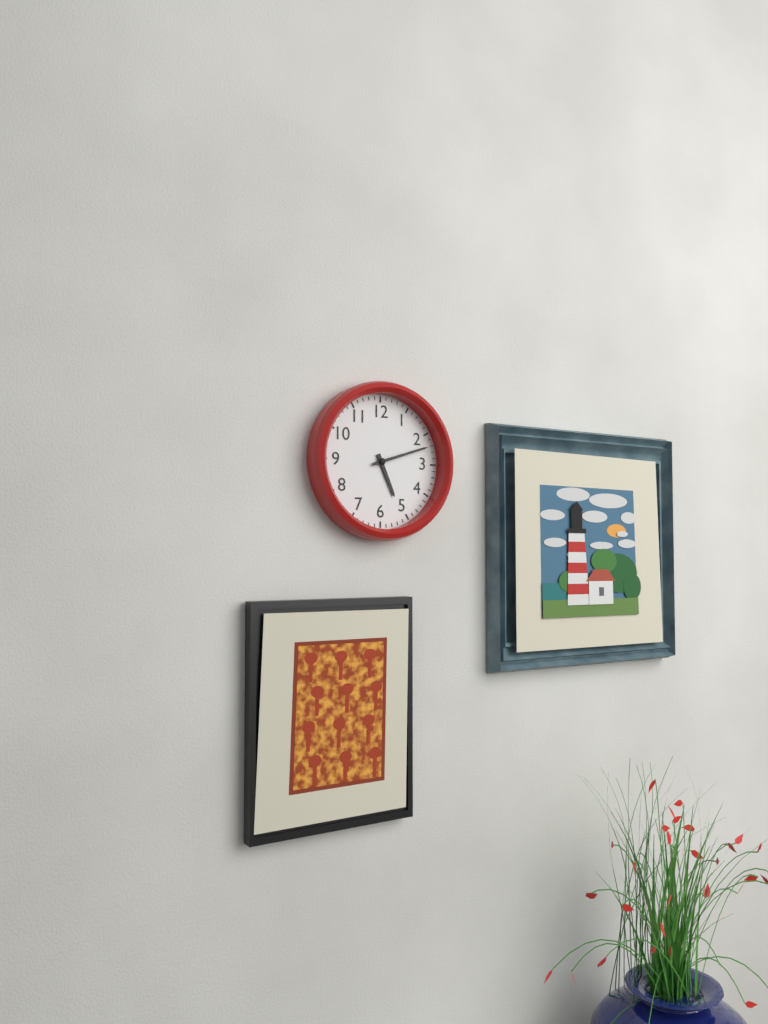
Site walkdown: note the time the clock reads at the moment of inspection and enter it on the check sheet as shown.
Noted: 5:12
